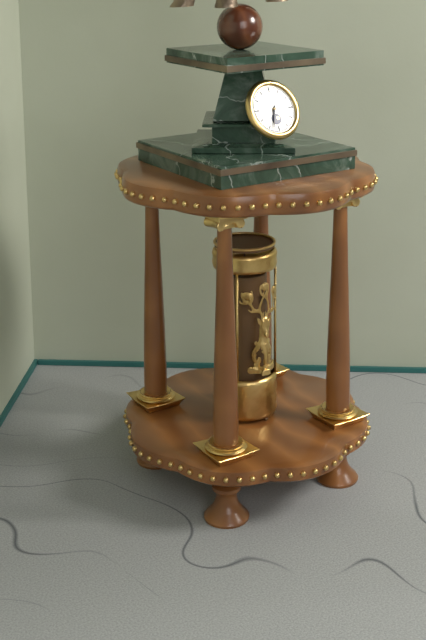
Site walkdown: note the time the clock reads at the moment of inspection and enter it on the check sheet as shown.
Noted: 6:33
